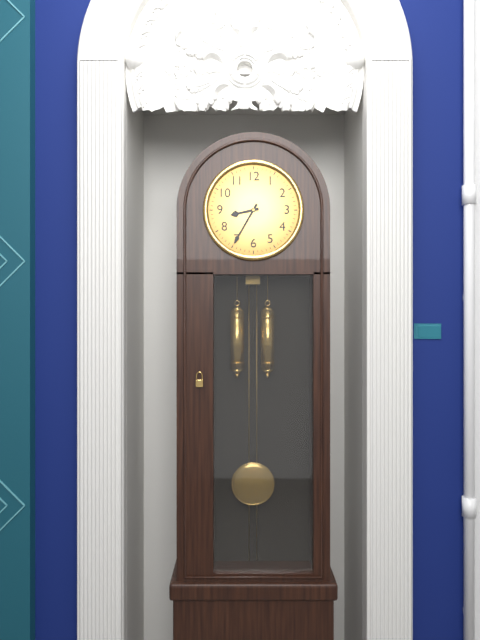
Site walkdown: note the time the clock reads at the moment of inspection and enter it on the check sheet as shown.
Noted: 8:35
